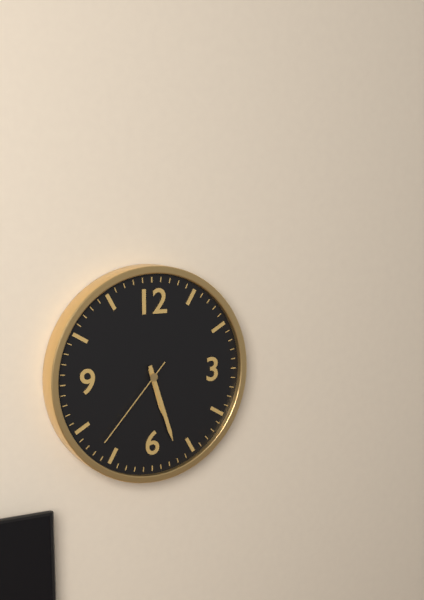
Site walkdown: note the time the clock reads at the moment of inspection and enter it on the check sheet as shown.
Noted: 5:27:37
